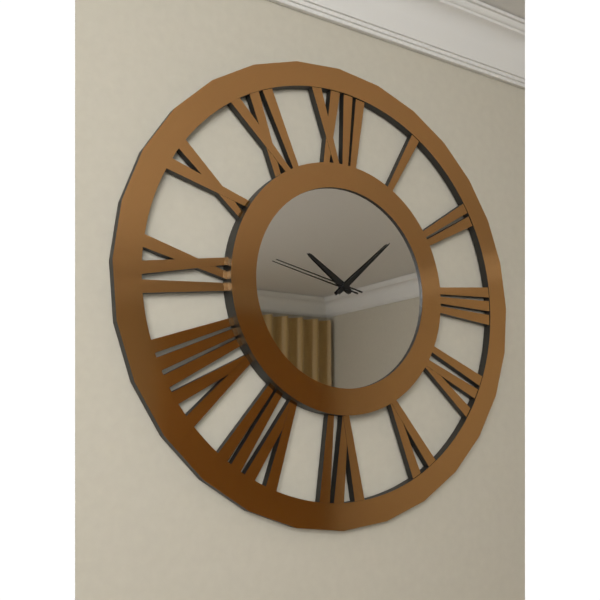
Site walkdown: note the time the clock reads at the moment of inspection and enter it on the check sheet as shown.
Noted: 10:08:47
